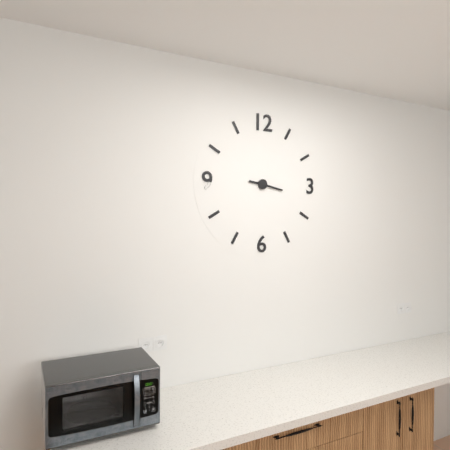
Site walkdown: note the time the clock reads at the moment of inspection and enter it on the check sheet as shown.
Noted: 9:17
